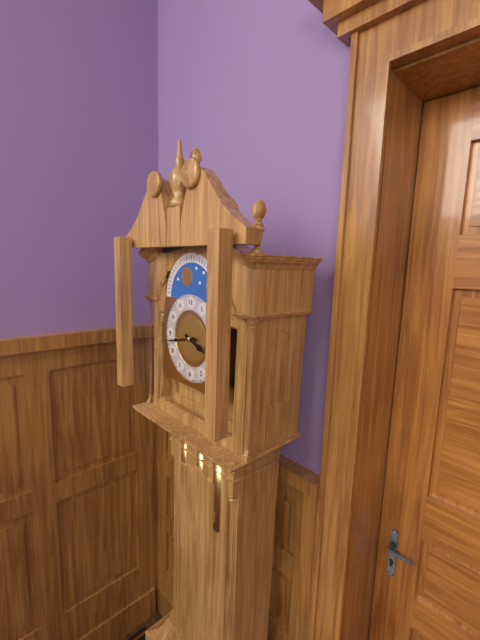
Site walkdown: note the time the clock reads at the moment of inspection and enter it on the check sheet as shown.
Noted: 3:43
